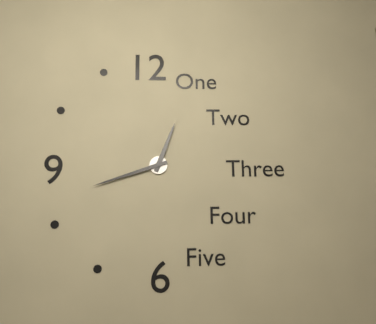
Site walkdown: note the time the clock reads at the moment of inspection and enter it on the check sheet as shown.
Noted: 12:42
